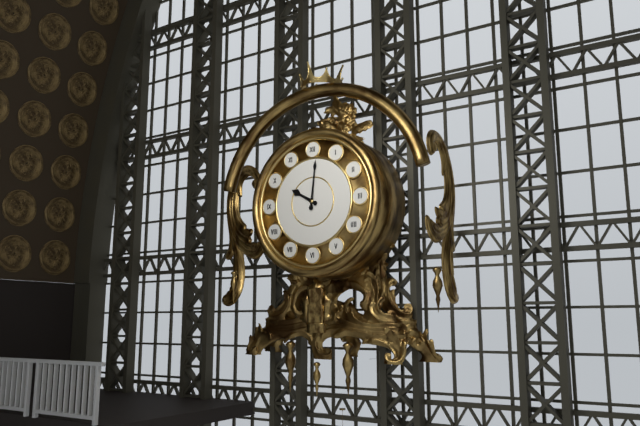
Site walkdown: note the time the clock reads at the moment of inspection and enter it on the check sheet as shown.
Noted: 10:01
